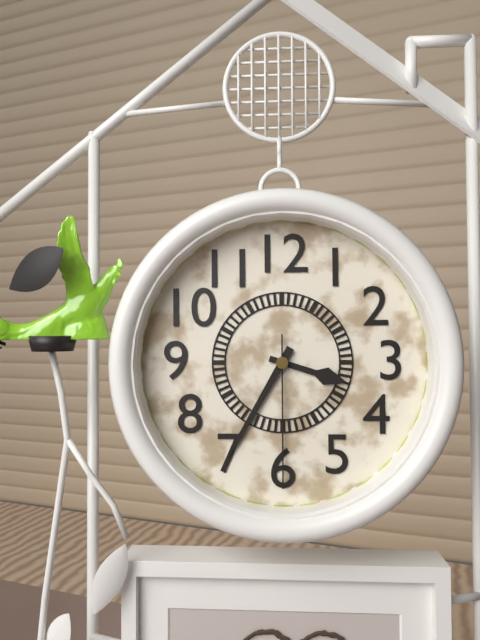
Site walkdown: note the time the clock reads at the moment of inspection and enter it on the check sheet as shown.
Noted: 3:35:30
